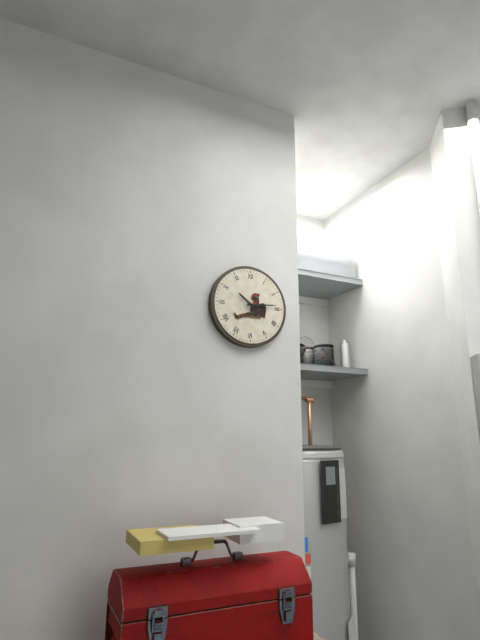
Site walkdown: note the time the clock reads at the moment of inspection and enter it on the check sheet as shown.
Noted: 10:14
